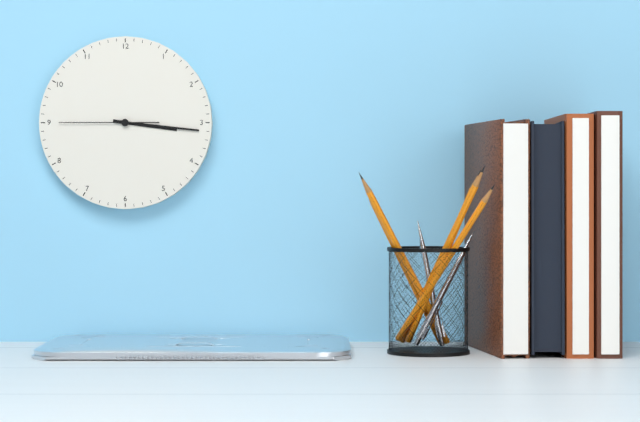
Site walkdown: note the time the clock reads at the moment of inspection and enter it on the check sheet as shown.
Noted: 3:16:45
